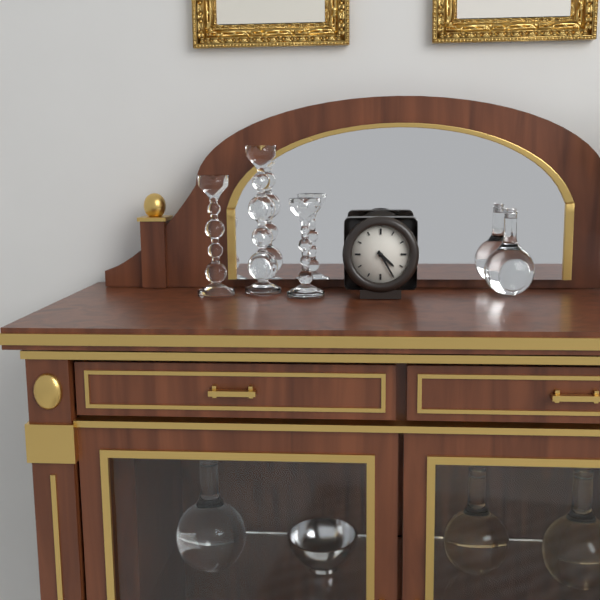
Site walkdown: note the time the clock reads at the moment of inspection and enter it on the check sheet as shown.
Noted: 4:25
